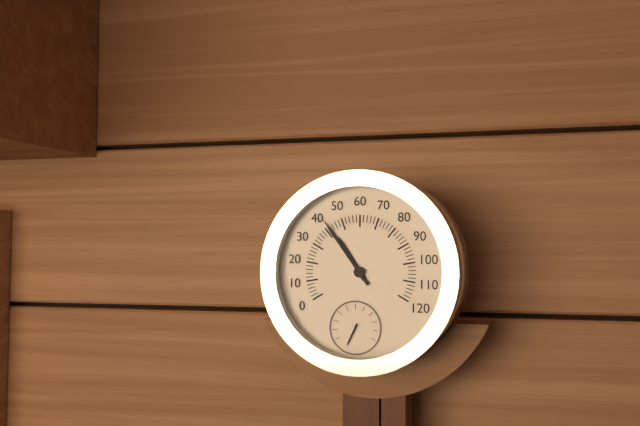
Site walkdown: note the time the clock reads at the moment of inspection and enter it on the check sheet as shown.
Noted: 10:54
